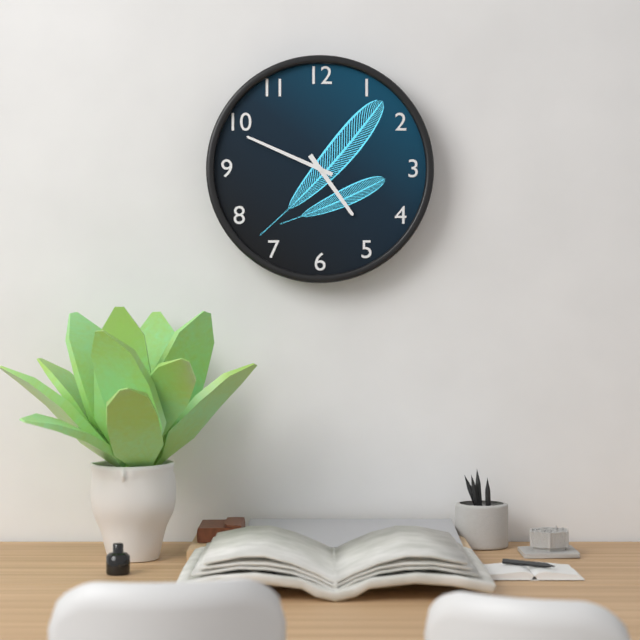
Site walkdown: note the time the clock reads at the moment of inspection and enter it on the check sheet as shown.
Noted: 4:49
